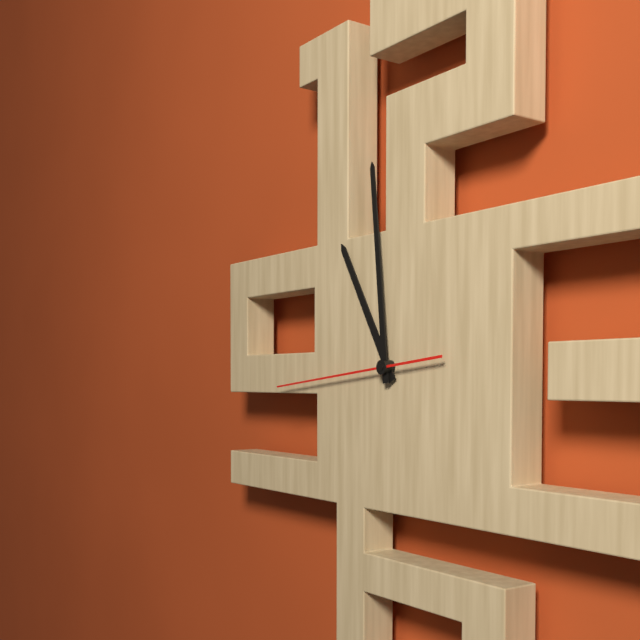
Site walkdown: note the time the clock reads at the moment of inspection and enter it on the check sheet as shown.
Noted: 10:59:44
